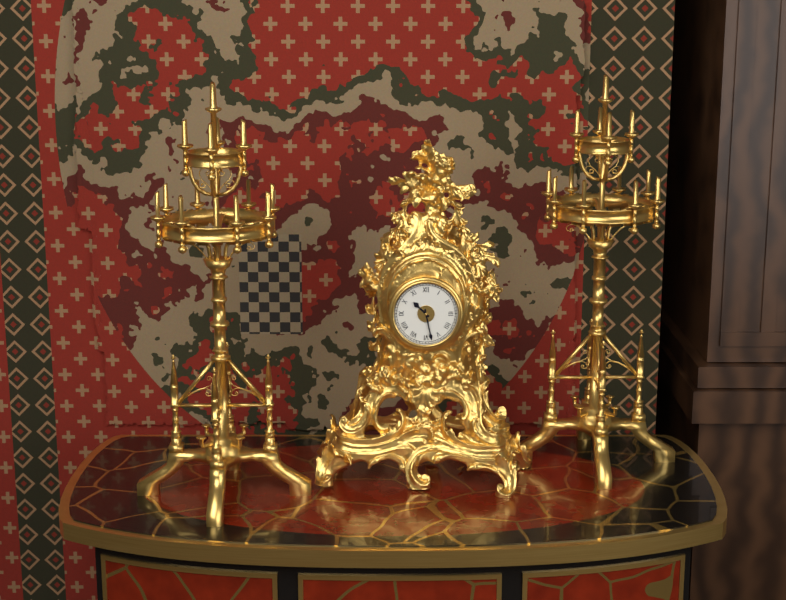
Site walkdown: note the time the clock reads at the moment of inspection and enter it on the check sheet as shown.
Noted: 10:28
